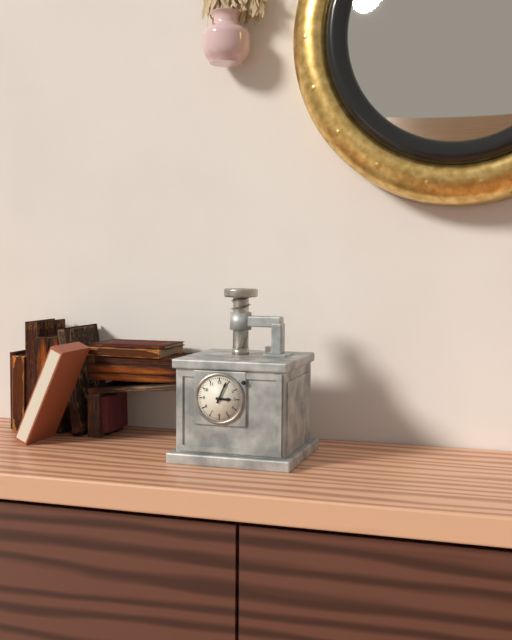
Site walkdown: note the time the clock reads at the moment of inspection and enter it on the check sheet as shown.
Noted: 3:04
